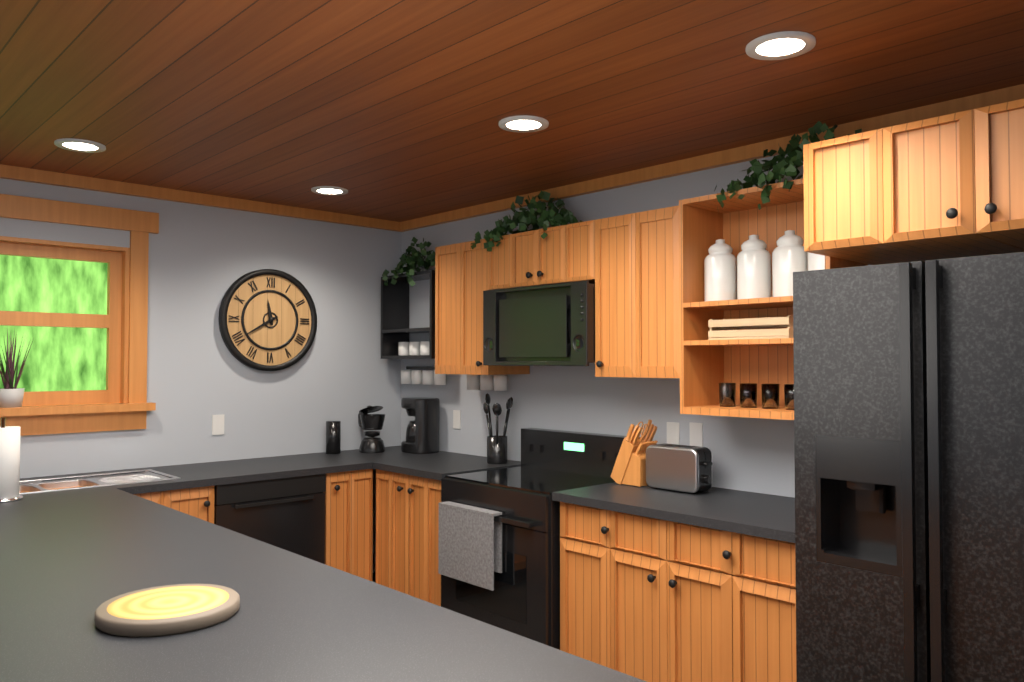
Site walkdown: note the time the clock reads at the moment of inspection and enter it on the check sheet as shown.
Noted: 11:40
